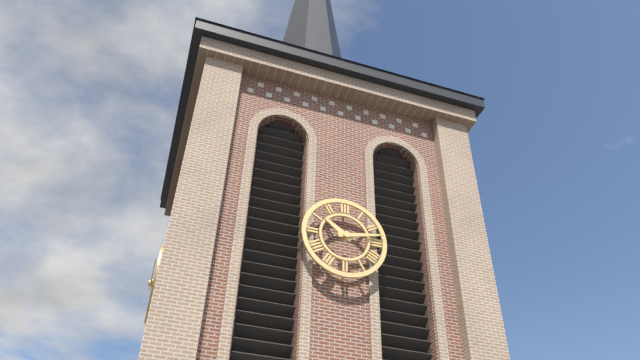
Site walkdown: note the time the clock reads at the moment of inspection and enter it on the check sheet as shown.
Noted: 10:13
